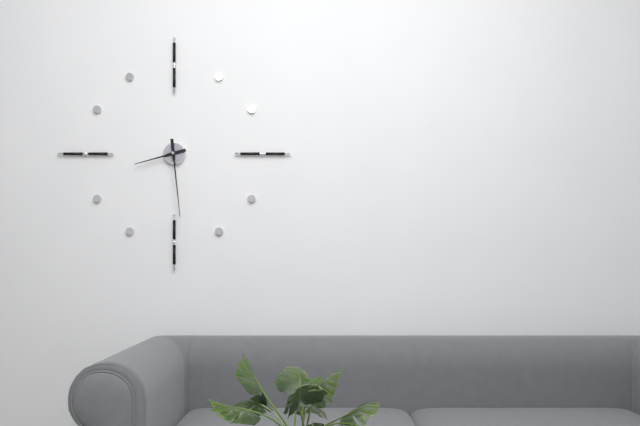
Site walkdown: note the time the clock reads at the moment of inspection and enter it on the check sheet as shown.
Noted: 8:29
